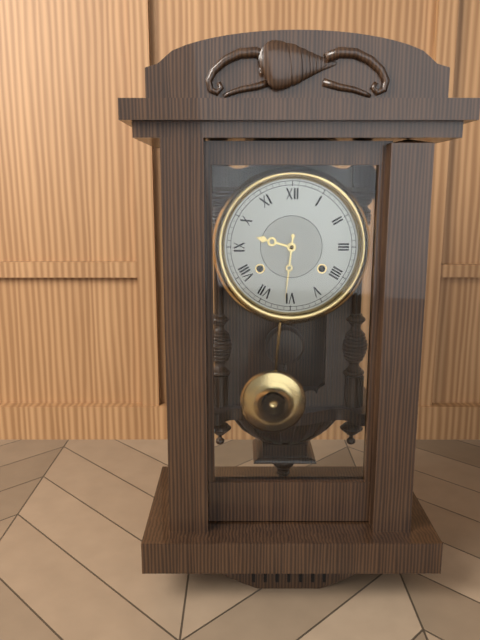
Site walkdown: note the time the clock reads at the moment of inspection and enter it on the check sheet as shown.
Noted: 9:31
